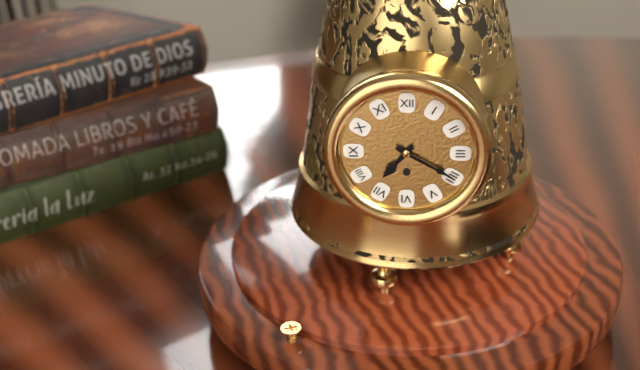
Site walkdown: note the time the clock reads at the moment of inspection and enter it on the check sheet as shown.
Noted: 7:20
